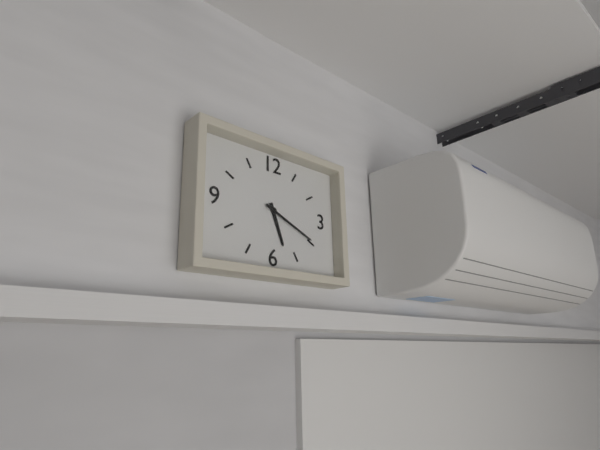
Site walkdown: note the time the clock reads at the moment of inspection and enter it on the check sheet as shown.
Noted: 5:19
